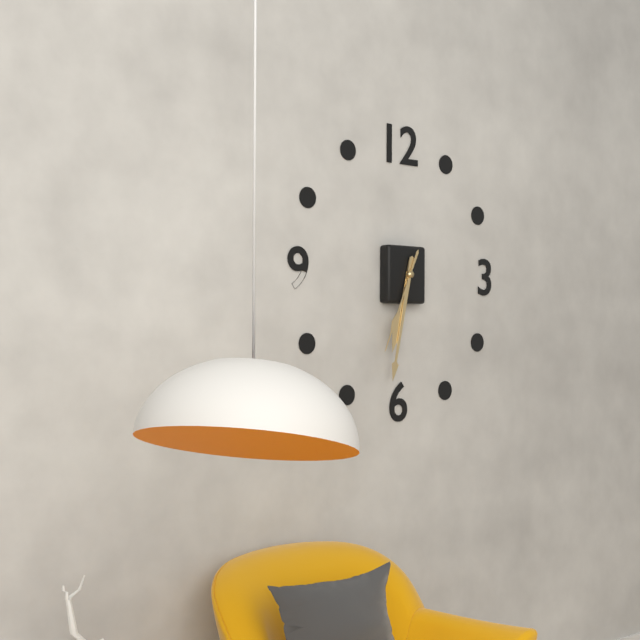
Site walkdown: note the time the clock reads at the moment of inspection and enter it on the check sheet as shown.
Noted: 6:32:34
